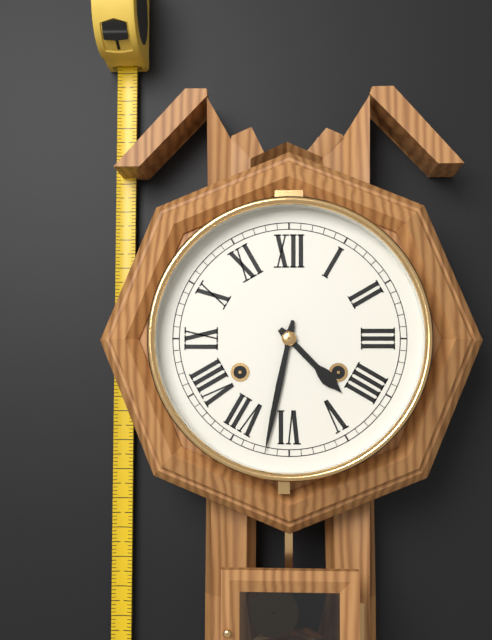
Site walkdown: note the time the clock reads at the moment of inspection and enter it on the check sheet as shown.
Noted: 4:32
